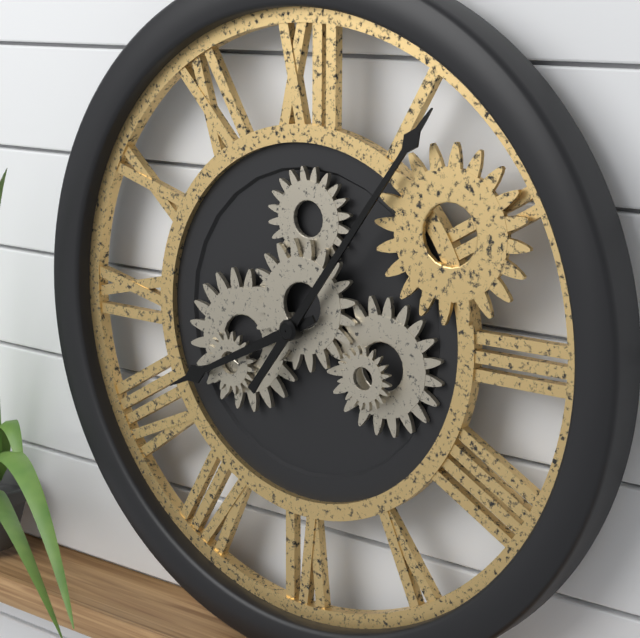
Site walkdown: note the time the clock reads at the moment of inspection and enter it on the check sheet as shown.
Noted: 8:06
